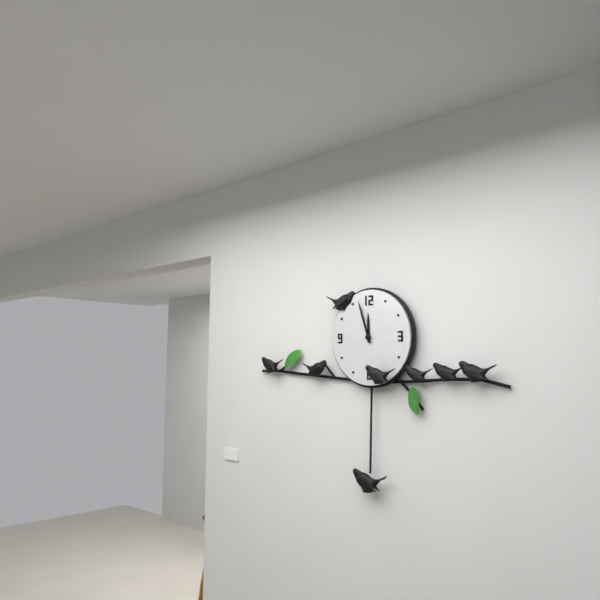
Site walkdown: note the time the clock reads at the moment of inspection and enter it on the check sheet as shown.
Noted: 11:57
